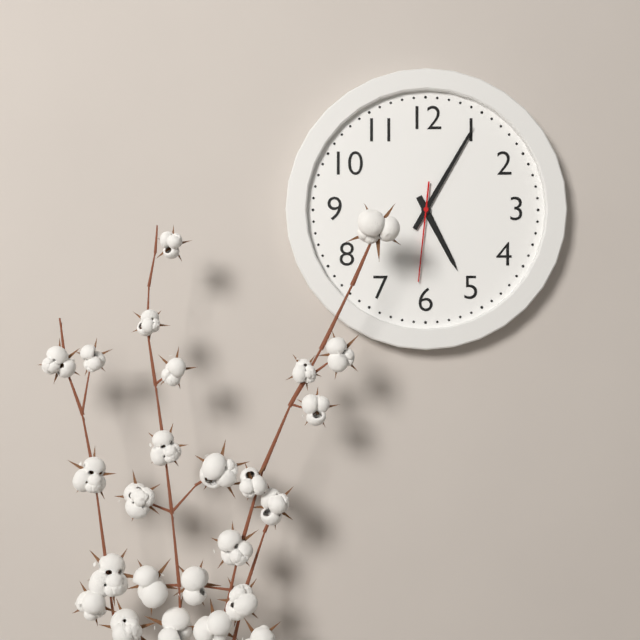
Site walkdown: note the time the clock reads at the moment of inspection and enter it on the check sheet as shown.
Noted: 5:05:31
